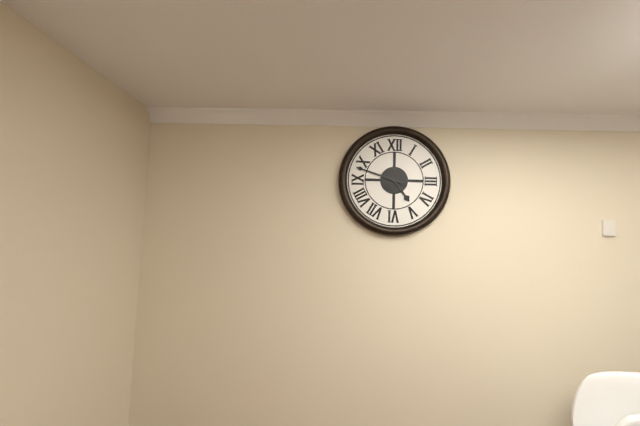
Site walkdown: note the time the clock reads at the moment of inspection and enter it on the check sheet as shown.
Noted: 4:48
